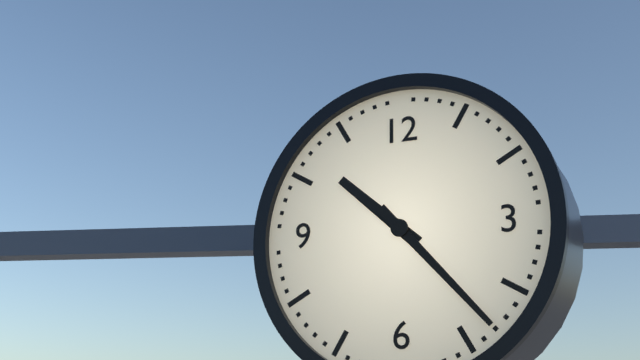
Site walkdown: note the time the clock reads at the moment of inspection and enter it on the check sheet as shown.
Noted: 10:23
